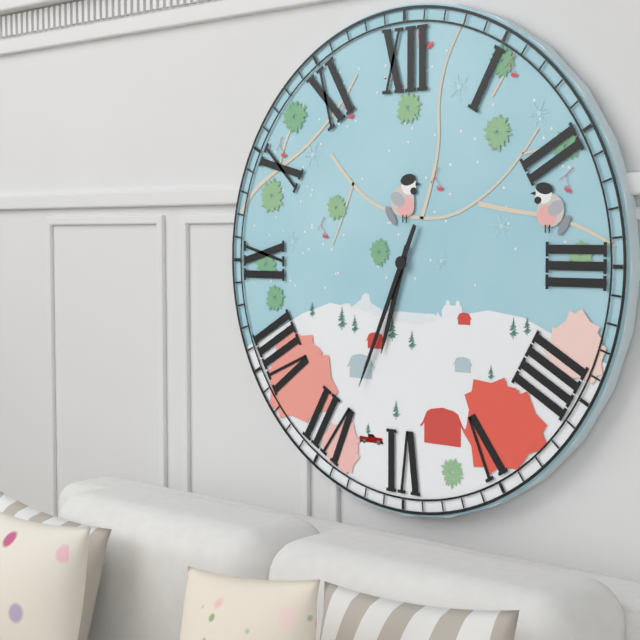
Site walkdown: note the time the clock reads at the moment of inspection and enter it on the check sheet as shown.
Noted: 6:34
